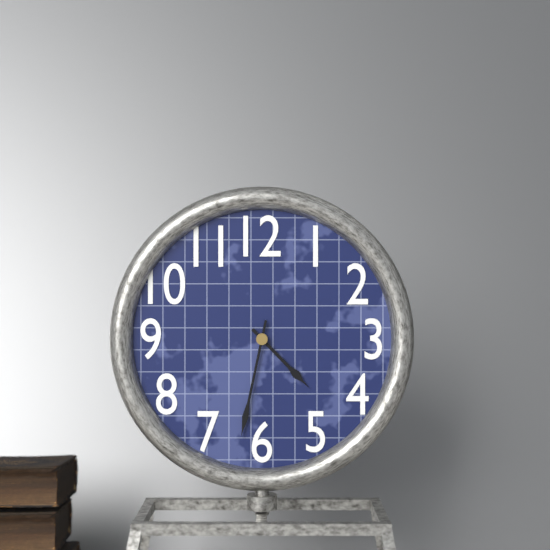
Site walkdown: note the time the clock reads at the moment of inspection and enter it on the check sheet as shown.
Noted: 4:32
